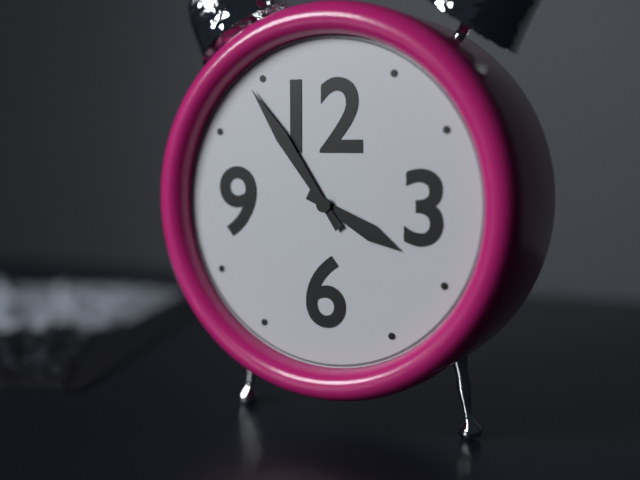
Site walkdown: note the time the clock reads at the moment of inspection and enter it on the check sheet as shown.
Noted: 3:54
